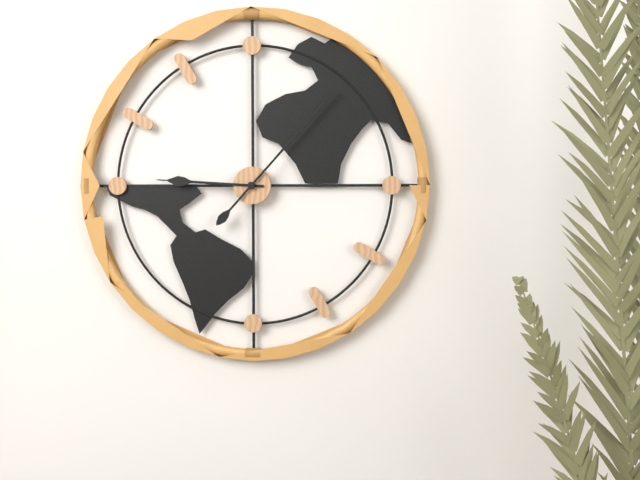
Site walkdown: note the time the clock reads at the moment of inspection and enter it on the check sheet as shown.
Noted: 9:07
